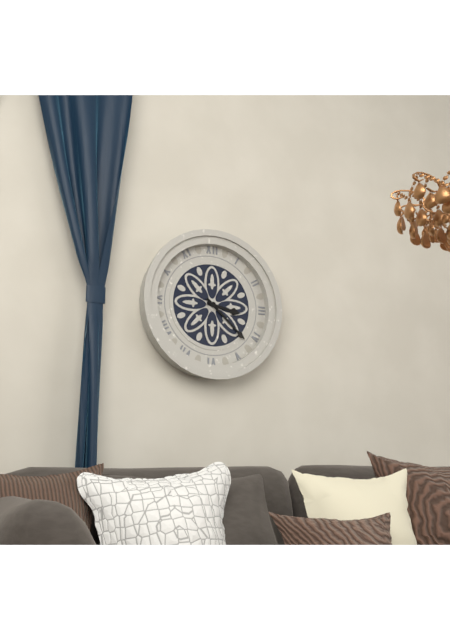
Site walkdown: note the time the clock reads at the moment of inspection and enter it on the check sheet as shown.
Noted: 3:22
